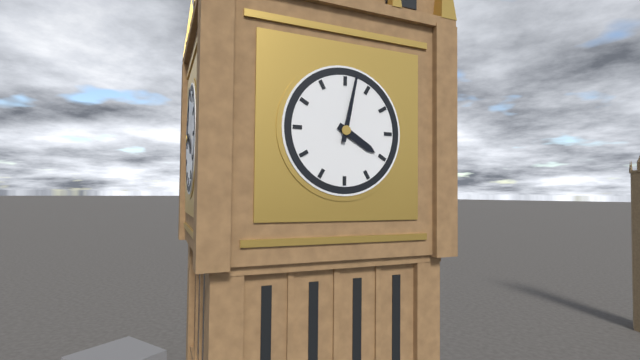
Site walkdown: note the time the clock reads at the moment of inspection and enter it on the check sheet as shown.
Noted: 4:02
